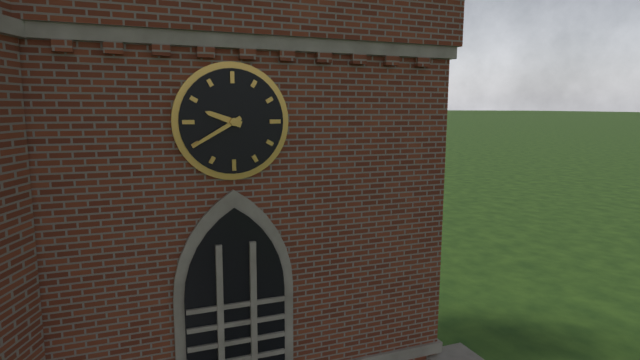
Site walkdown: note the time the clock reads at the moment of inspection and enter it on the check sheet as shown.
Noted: 9:40
